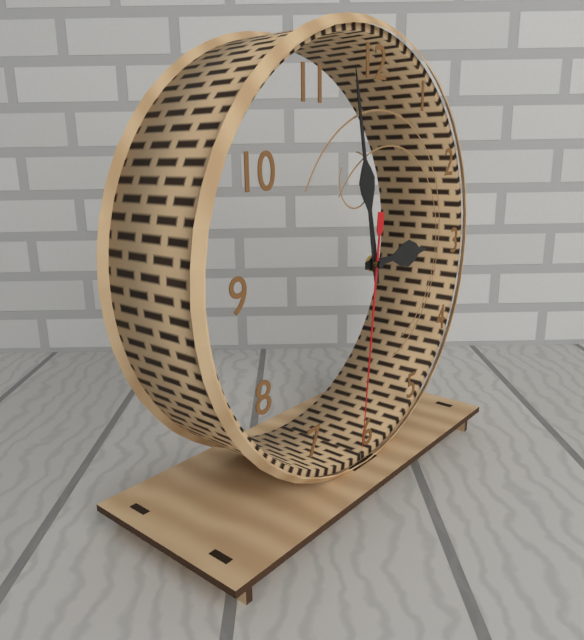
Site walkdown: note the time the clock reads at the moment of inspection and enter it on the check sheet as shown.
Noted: 2:58:31
